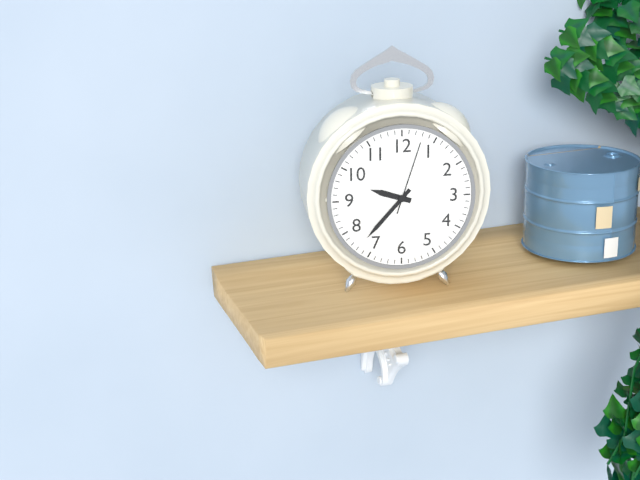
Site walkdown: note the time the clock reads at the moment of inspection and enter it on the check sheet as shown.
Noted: 9:37:03
